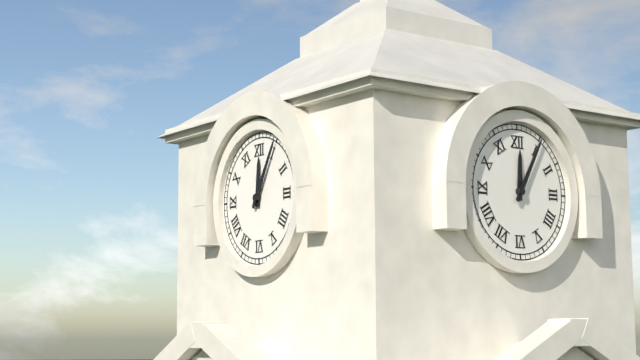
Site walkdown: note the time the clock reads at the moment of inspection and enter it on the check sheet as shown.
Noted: 12:05
